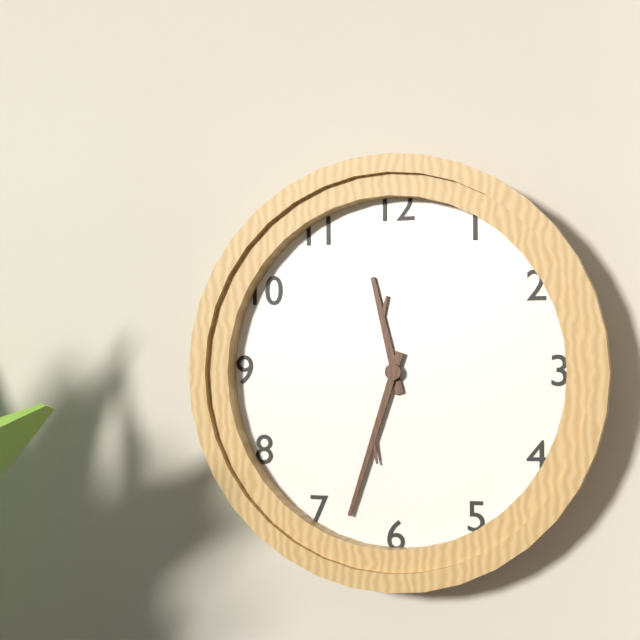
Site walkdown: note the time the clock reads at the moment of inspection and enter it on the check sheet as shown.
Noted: 11:33
